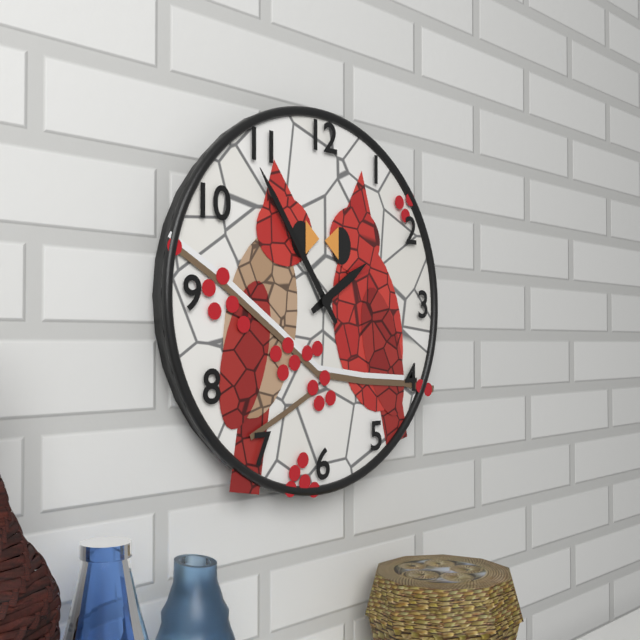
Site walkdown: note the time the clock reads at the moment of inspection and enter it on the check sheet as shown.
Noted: 1:54
